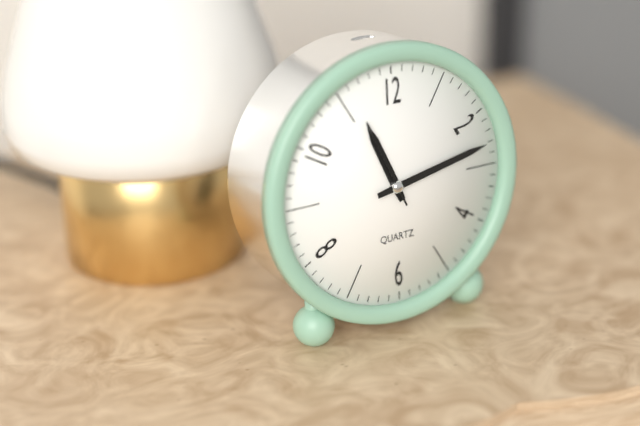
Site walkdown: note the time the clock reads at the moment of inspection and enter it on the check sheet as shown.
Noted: 11:13:56
